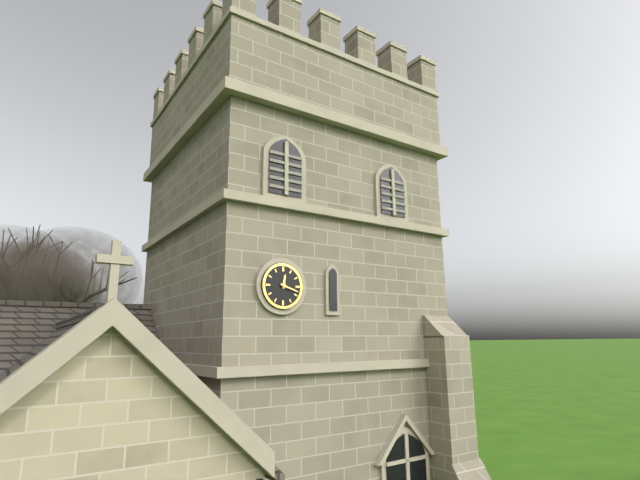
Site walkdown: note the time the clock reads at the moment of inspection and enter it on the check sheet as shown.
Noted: 12:18
